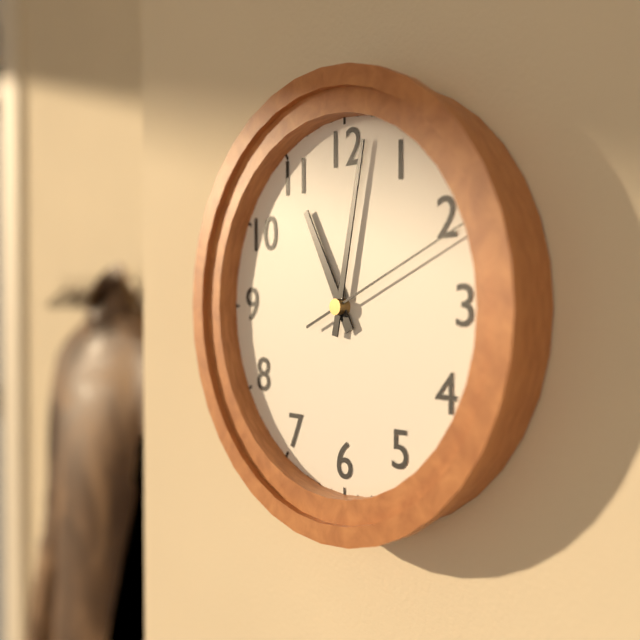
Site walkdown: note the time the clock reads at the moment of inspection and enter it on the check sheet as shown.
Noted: 11:02:11
